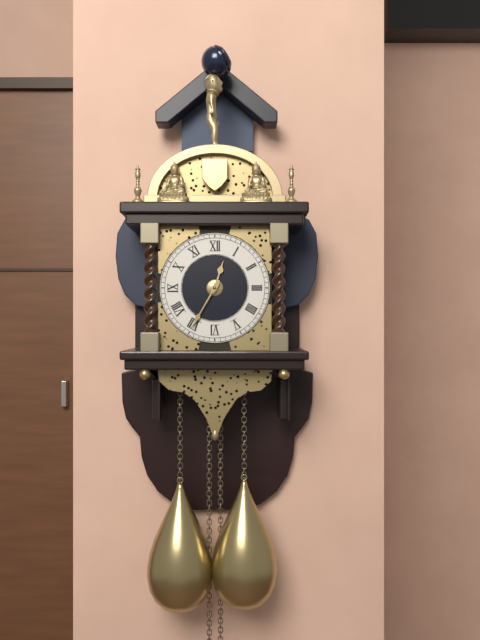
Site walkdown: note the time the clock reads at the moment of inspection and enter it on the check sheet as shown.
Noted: 12:35
